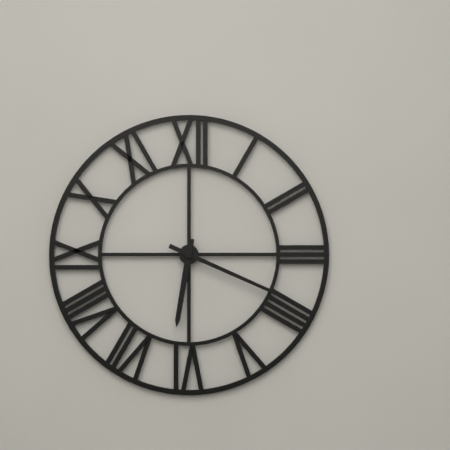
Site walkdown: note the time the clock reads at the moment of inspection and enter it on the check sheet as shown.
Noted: 6:19
